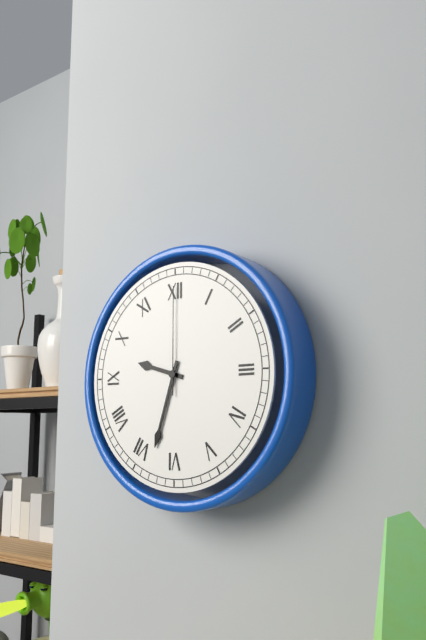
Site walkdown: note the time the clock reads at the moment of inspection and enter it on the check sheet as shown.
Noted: 9:33:00
